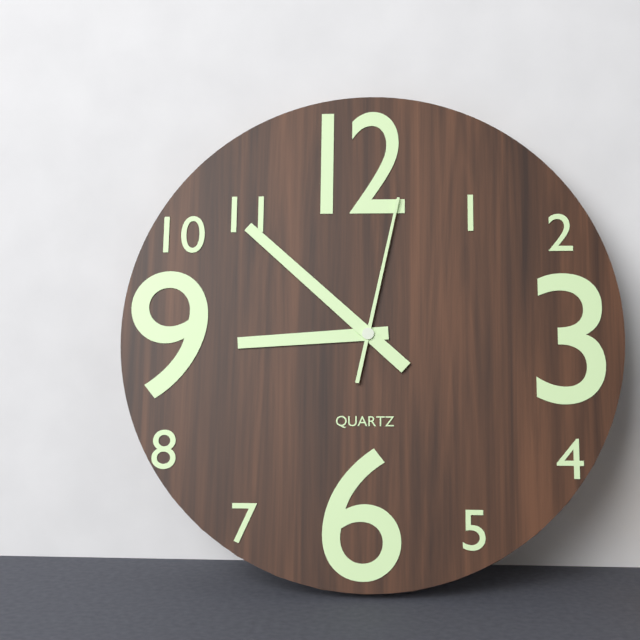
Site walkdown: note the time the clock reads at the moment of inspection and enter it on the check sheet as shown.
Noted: 8:52:02
